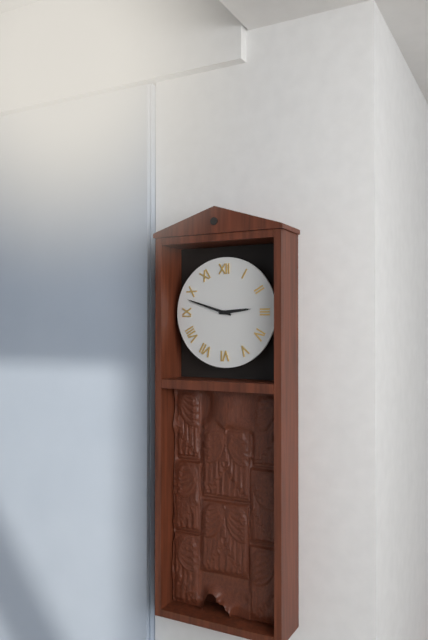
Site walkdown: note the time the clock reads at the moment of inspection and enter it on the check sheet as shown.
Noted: 2:48
